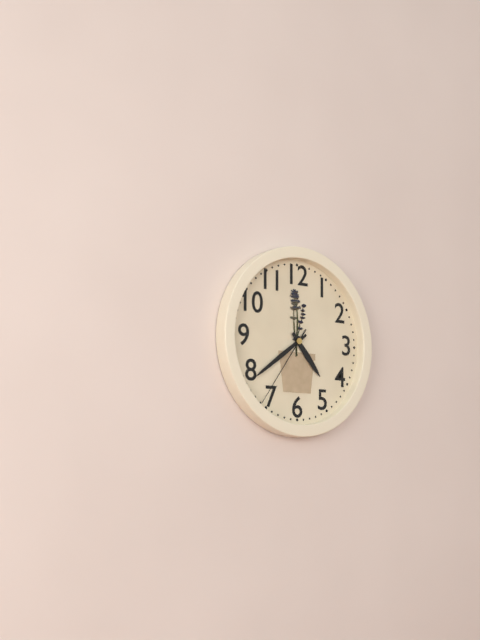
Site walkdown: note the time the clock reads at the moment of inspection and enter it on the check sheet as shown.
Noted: 4:39:36
